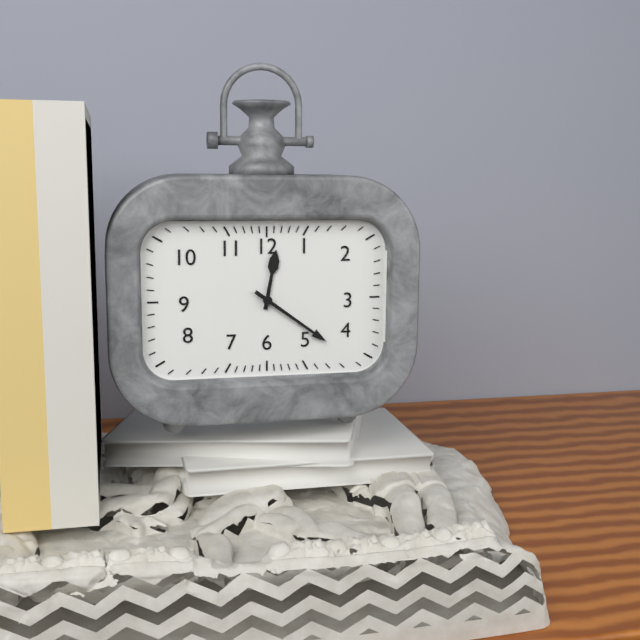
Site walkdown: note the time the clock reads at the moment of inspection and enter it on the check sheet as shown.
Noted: 12:21
